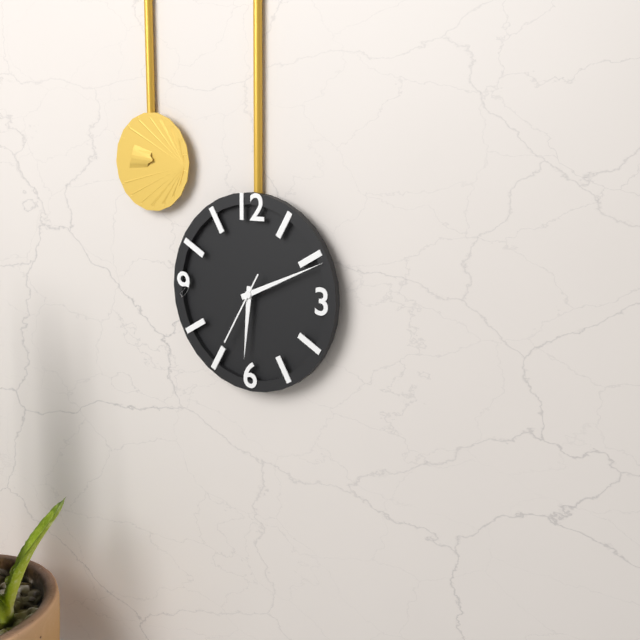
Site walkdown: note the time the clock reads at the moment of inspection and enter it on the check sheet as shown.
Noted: 6:11:35
